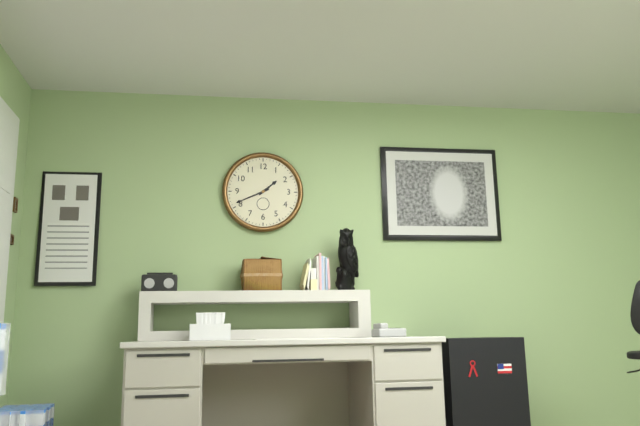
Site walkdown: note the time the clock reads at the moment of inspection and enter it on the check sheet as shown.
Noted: 1:41
